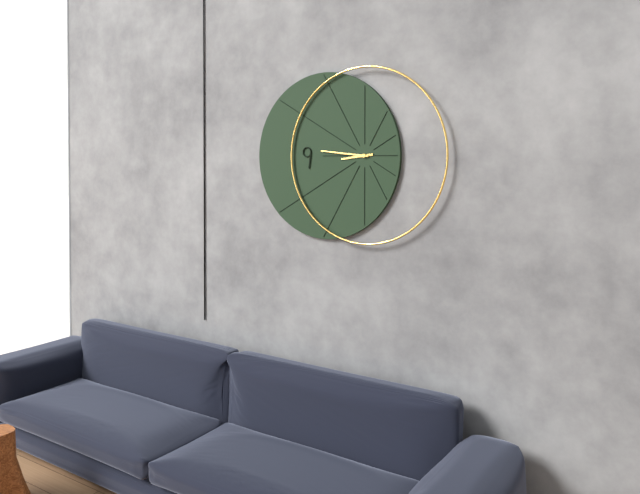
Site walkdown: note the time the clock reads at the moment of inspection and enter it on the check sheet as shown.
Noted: 8:46
